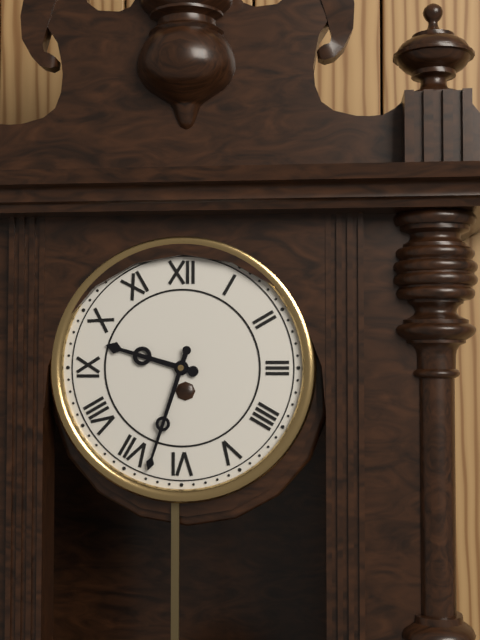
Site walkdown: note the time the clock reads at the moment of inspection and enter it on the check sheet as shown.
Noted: 9:33
